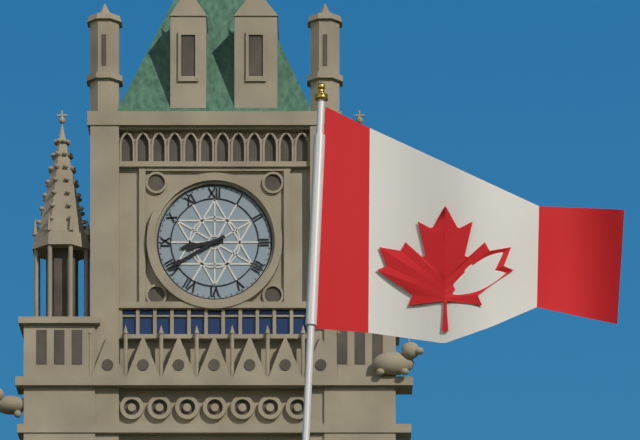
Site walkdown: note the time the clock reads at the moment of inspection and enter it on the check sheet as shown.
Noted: 8:40
